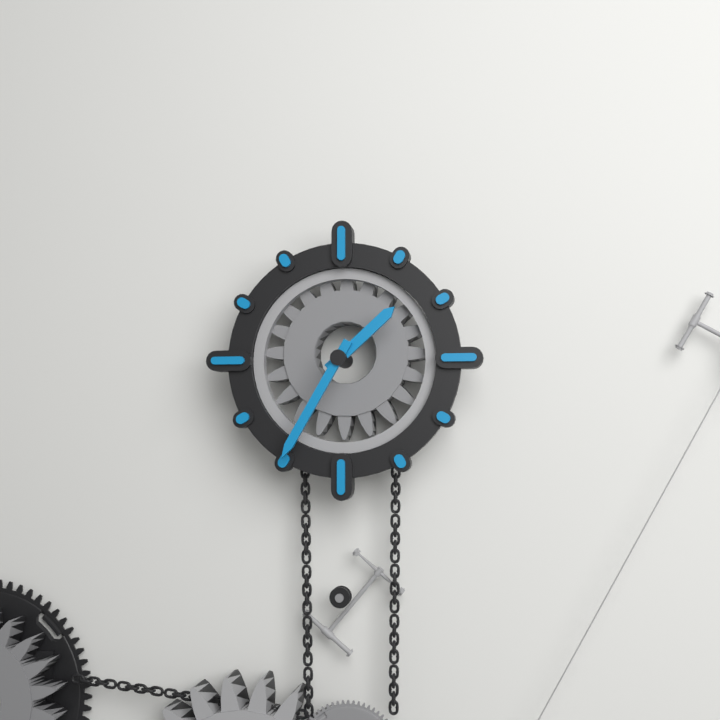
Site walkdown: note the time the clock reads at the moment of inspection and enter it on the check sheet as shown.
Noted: 1:35
